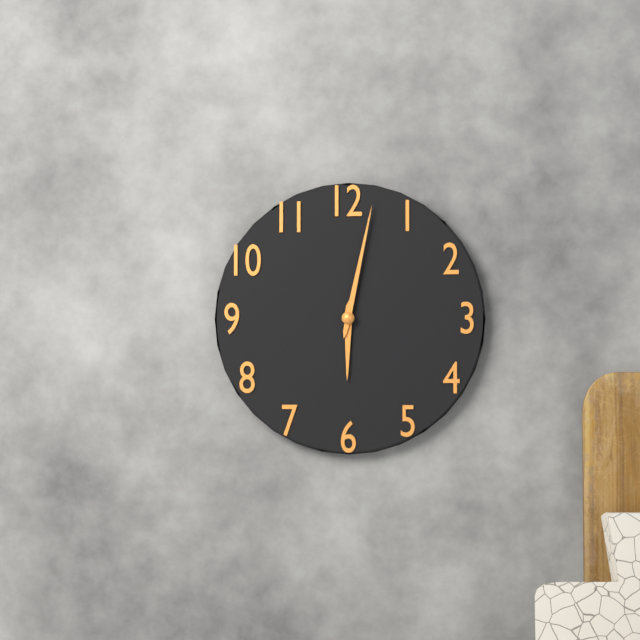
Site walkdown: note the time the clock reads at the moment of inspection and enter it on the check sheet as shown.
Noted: 6:02
